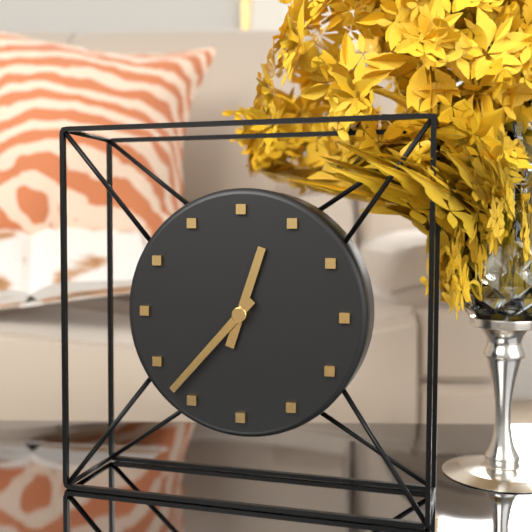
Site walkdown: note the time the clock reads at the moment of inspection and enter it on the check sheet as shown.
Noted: 12:37
